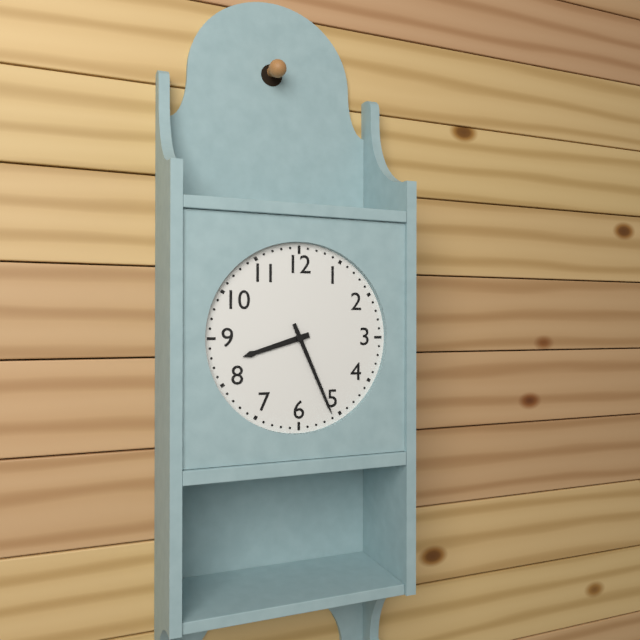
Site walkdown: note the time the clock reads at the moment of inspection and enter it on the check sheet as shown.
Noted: 8:26
